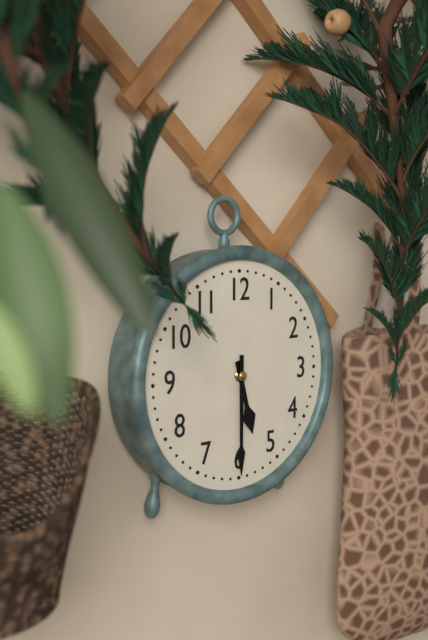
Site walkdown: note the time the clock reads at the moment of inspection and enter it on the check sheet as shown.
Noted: 5:30
